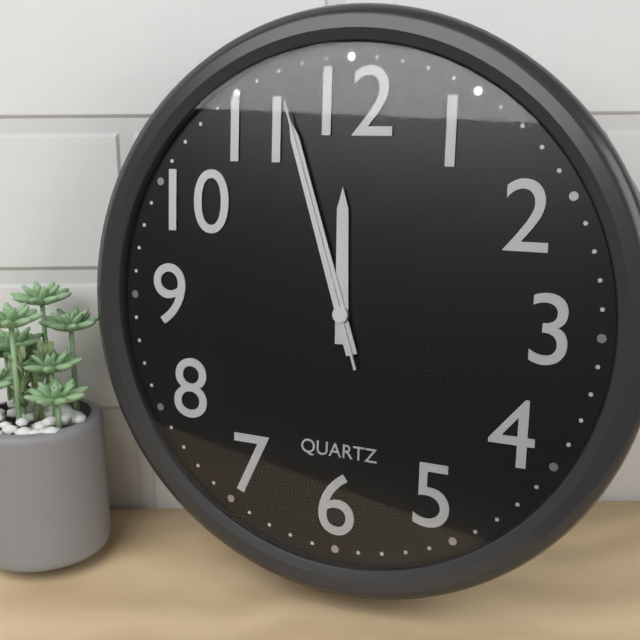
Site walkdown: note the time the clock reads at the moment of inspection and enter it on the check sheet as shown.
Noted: 11:57:57
